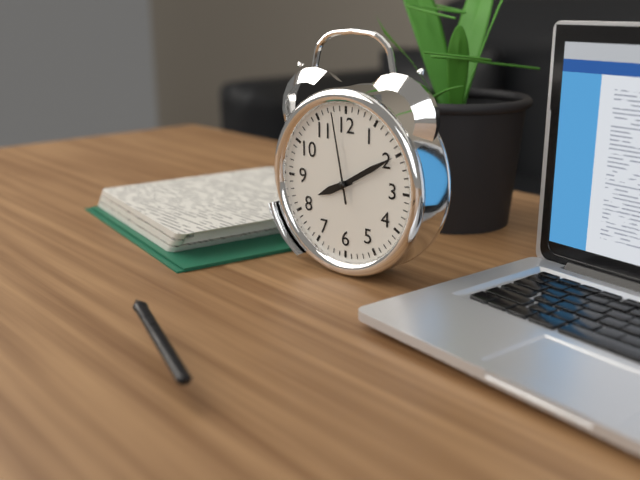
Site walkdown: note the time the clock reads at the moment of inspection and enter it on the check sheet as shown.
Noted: 8:10:58
